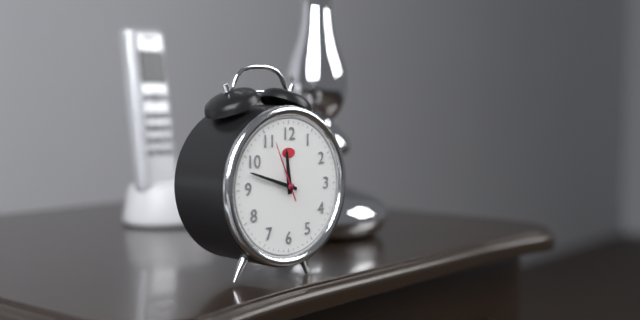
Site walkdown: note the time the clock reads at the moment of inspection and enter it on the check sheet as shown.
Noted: 11:48:56
